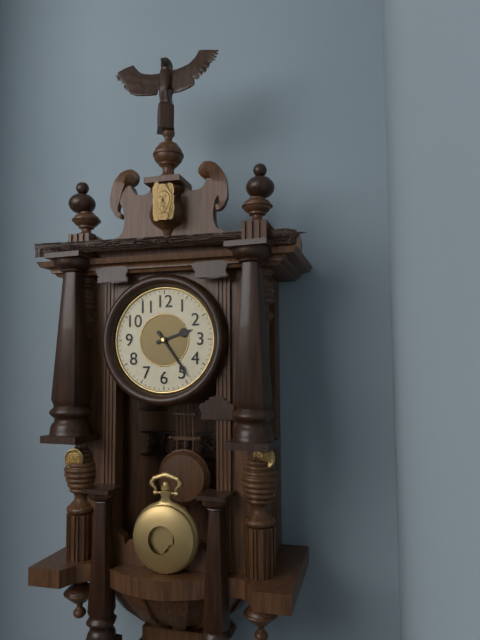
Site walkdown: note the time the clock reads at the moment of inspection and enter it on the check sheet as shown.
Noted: 2:24
